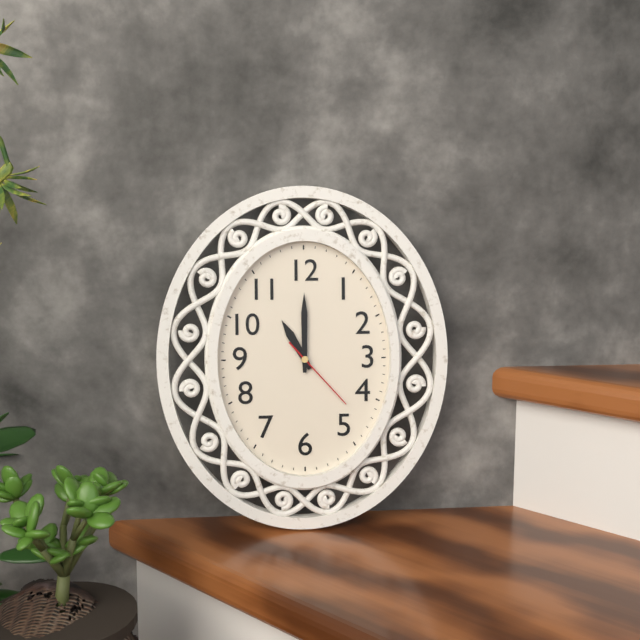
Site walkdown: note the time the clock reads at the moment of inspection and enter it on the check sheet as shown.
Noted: 11:00:23
